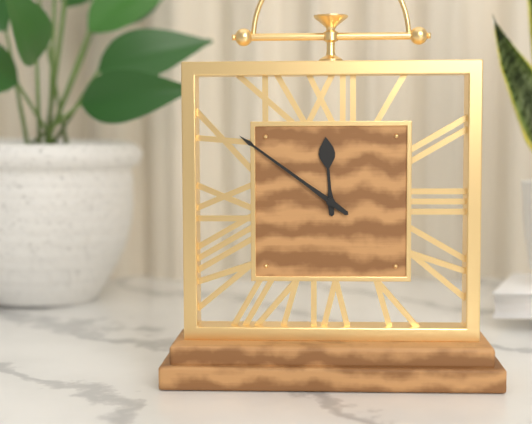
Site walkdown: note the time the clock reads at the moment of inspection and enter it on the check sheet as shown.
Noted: 11:51
